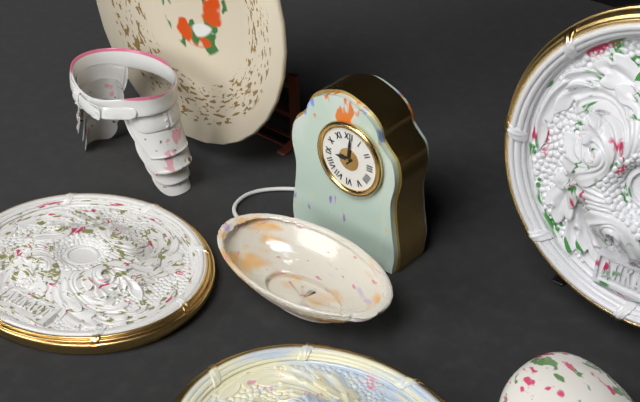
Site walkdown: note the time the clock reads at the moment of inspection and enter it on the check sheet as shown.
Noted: 9:01
